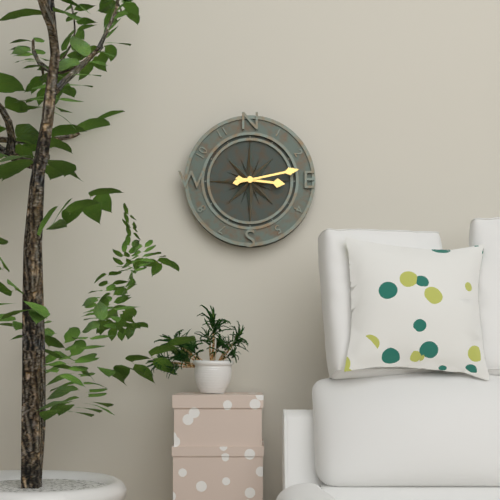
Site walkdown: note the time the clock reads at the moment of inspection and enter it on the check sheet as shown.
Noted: 3:13
